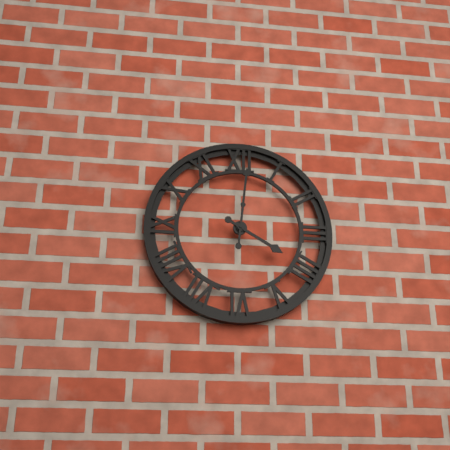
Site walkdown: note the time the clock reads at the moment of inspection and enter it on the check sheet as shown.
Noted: 4:01
